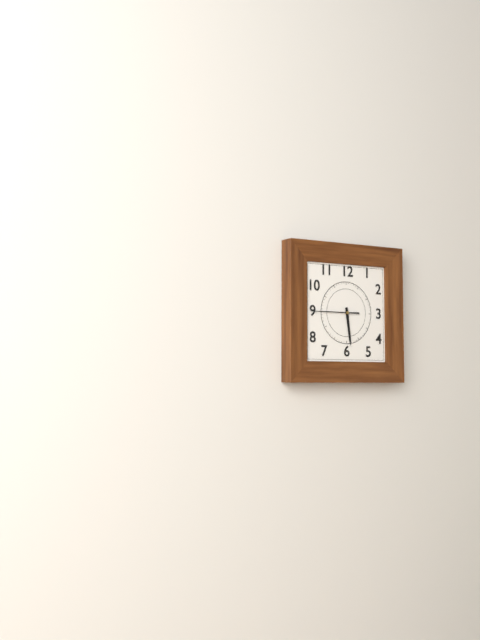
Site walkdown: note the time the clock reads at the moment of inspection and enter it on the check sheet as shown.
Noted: 5:45
